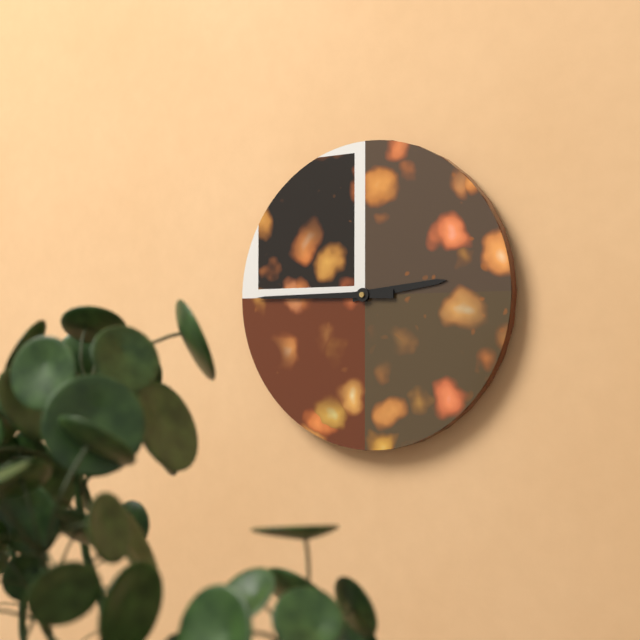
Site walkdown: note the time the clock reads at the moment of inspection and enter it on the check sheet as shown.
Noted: 2:45
